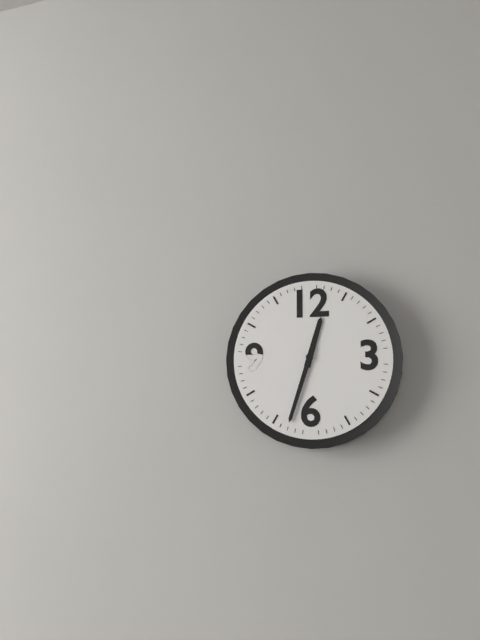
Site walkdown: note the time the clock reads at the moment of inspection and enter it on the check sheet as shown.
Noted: 12:33
